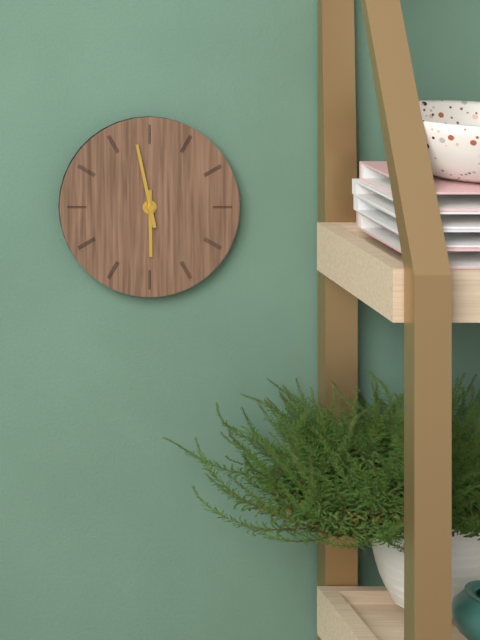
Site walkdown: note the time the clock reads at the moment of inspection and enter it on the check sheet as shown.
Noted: 5:58
